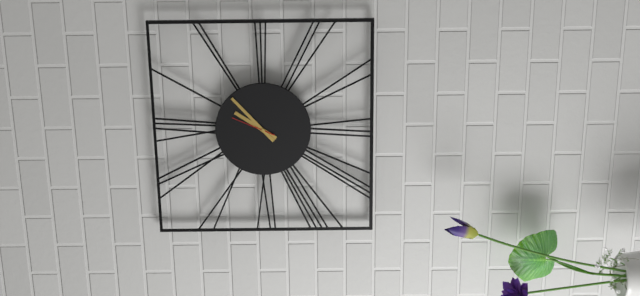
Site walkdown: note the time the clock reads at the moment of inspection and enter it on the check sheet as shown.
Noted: 1:08
